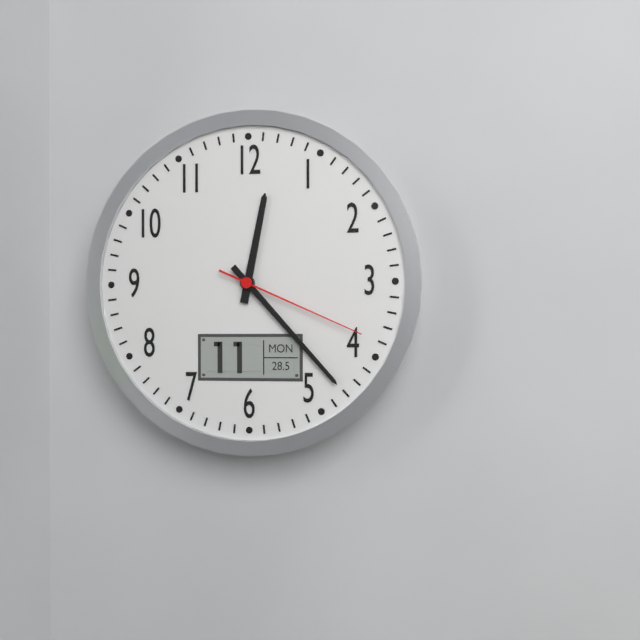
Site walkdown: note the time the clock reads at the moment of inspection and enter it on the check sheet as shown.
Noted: 12:23:19
